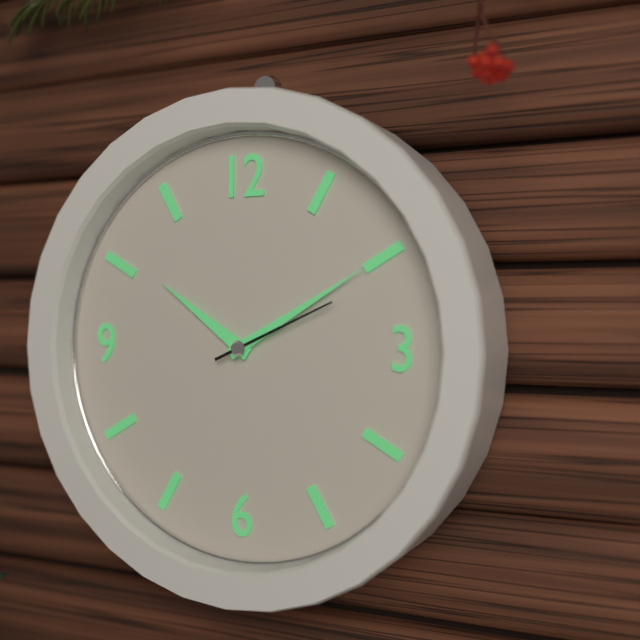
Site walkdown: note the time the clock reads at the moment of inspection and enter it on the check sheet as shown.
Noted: 10:10:11
